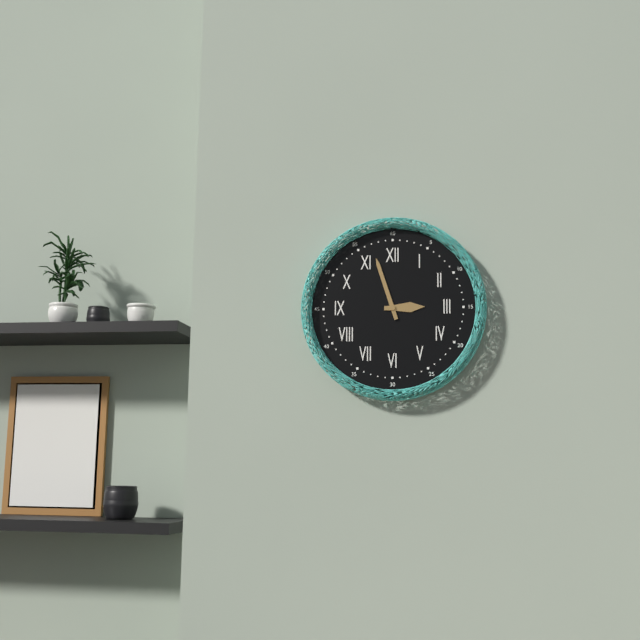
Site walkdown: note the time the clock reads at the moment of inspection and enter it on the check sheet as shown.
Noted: 2:57
